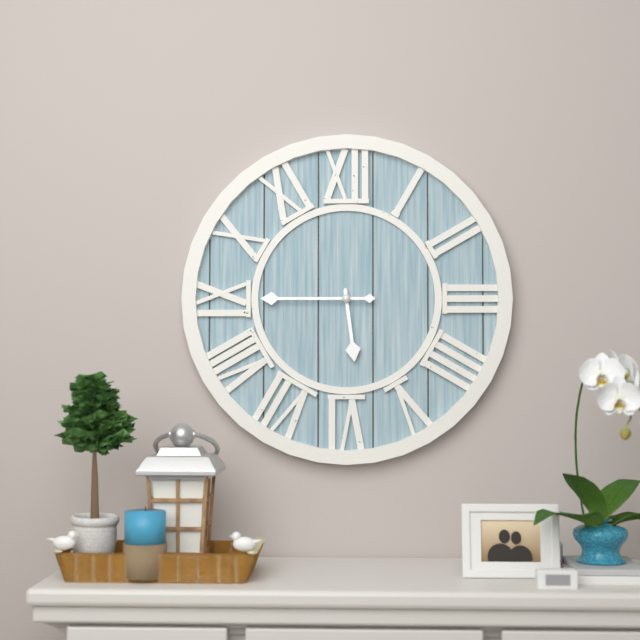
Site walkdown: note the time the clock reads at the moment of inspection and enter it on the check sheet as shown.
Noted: 5:45
